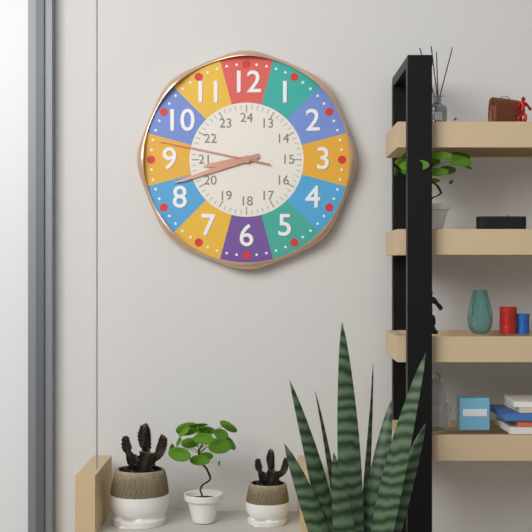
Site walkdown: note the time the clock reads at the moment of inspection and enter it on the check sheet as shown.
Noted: 8:42:47
